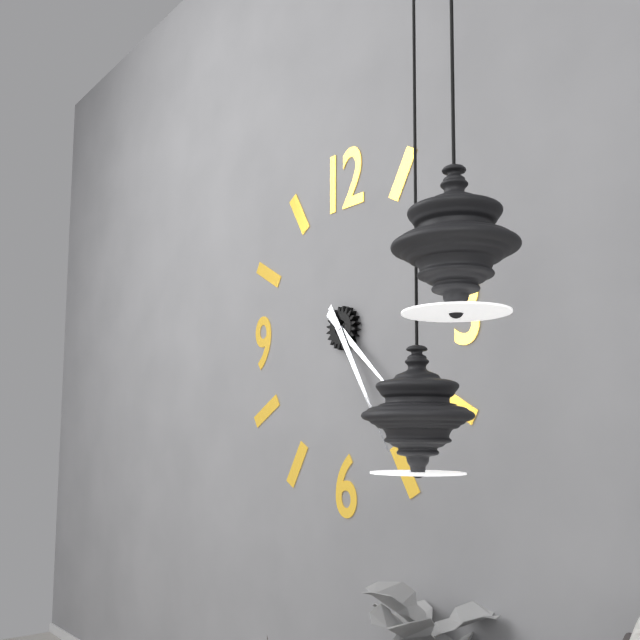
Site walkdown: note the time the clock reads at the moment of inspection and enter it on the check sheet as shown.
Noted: 4:25
